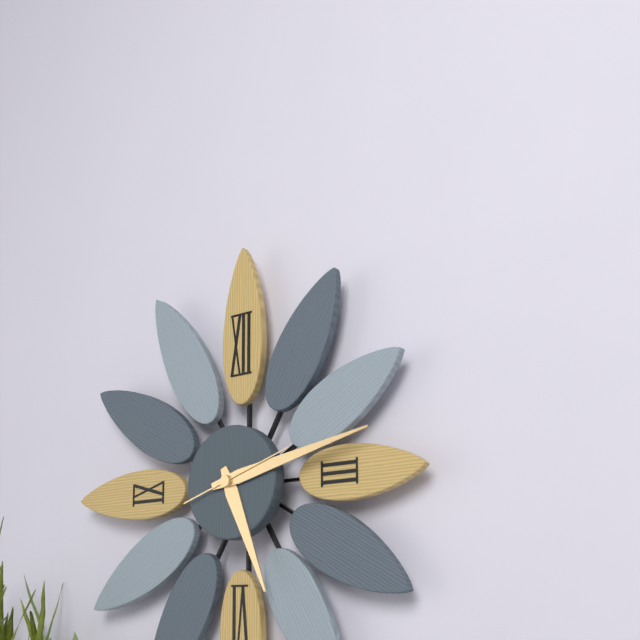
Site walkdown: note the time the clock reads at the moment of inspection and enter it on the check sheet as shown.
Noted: 5:13:12
